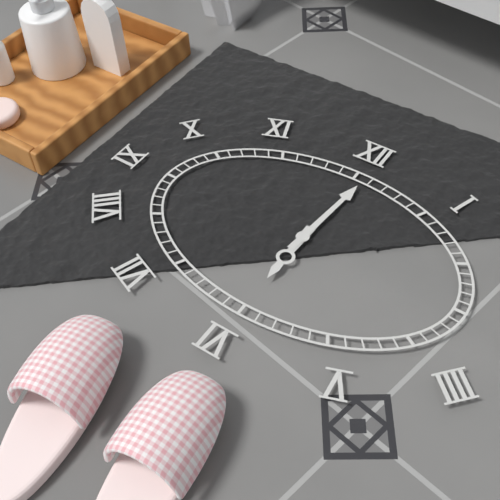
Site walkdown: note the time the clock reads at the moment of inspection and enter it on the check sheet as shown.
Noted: 6:01
